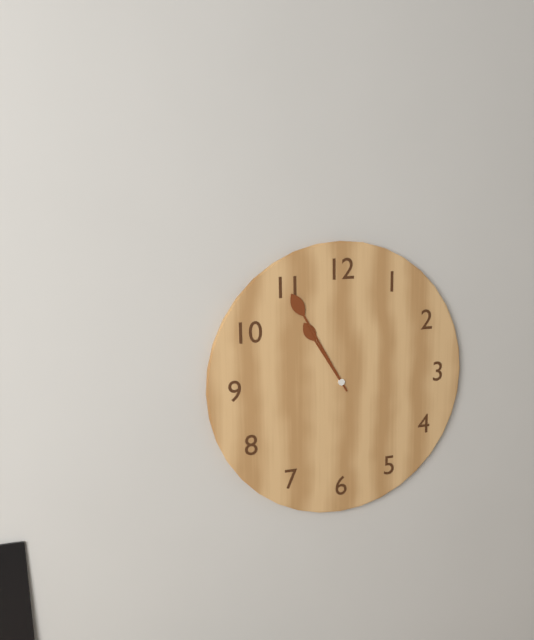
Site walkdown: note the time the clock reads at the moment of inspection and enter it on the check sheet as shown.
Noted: 10:55
